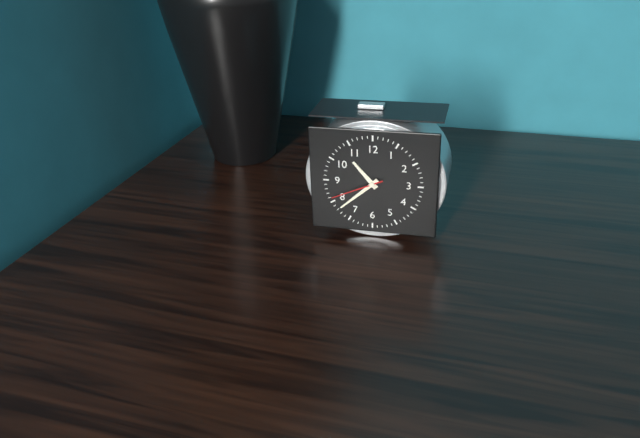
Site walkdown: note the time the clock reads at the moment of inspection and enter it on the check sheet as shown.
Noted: 10:38:41
